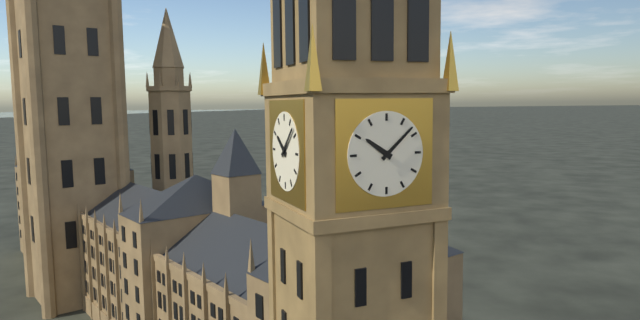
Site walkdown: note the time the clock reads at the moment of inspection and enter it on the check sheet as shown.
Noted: 10:08
